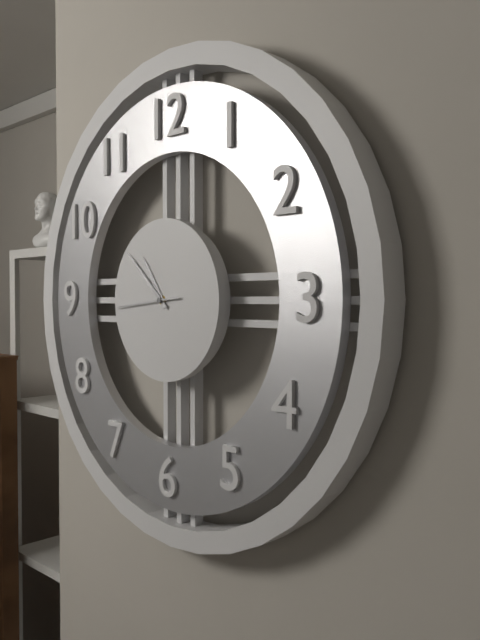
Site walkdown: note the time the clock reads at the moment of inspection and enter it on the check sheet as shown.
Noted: 10:52:44
